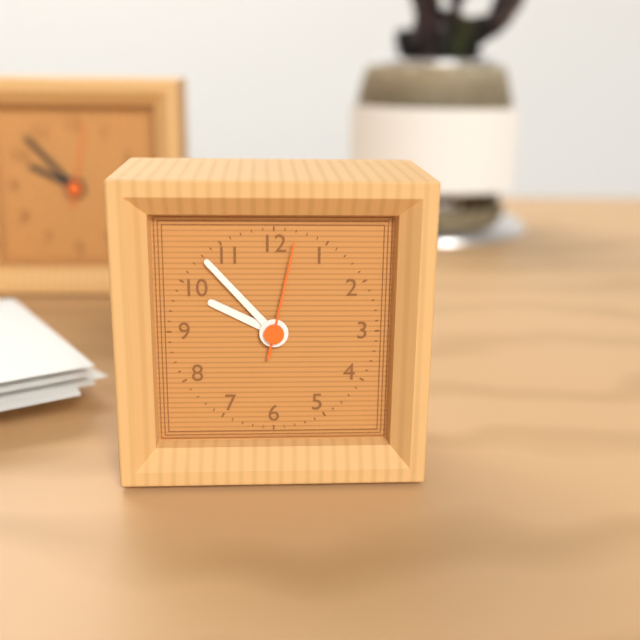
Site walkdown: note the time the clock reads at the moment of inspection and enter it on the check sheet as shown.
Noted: 9:53:02
